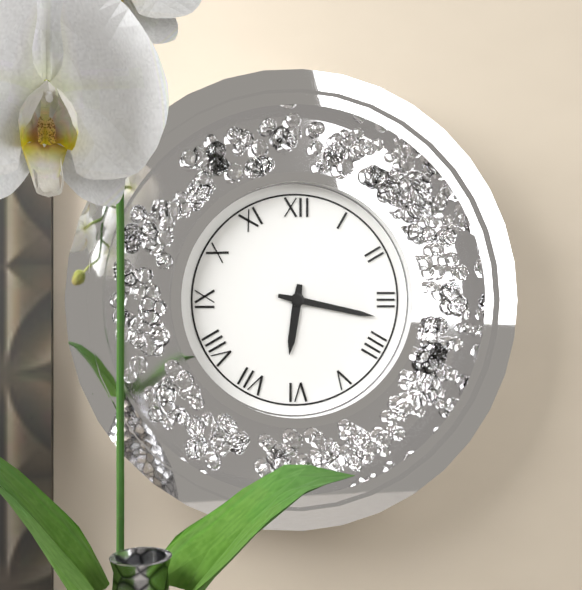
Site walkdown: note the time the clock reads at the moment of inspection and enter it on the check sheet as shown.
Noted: 6:17
